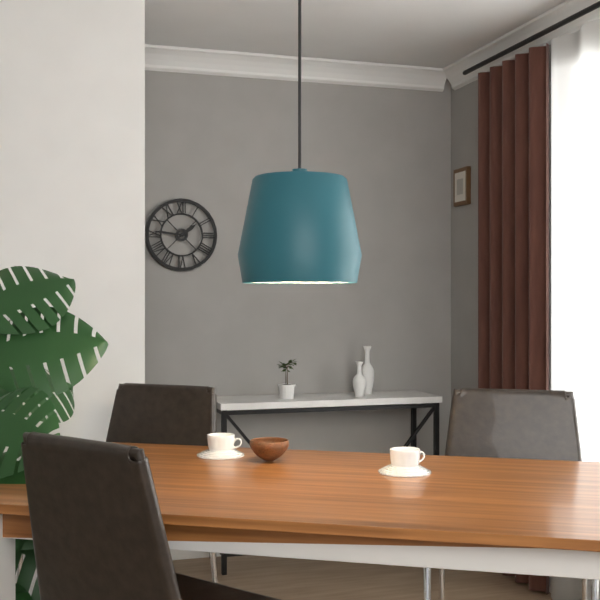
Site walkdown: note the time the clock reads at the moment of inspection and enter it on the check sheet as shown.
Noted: 1:46
